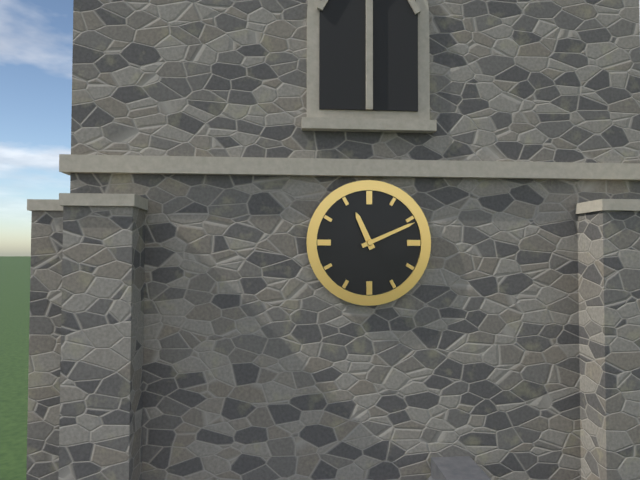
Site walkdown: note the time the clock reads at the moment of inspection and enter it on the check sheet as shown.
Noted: 11:11
